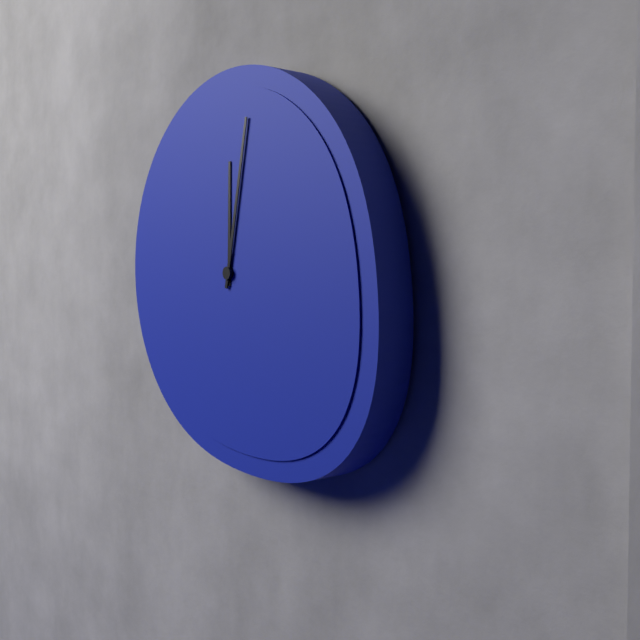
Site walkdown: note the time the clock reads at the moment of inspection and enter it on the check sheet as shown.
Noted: 12:02
